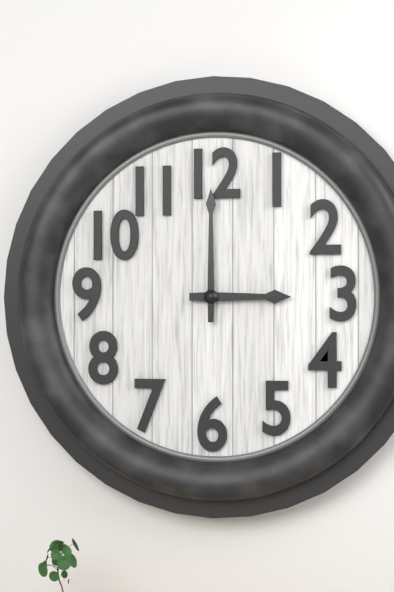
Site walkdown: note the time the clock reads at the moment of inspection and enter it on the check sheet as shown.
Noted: 3:00
